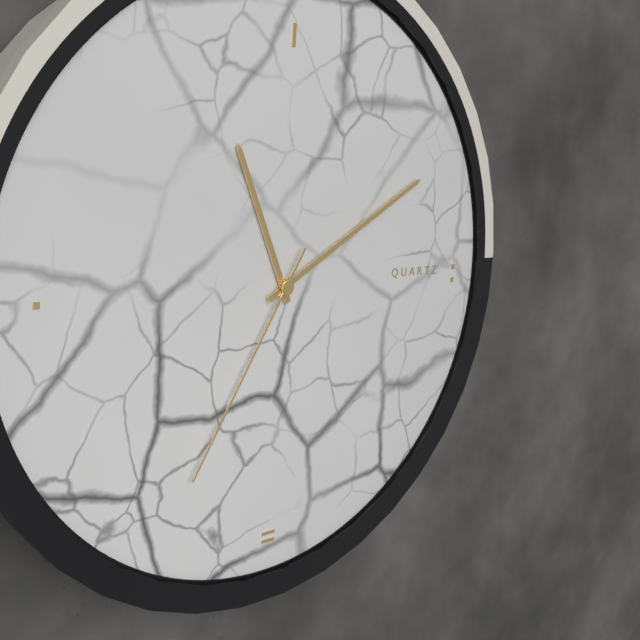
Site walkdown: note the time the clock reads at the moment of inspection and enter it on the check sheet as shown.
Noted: 11:10:35
